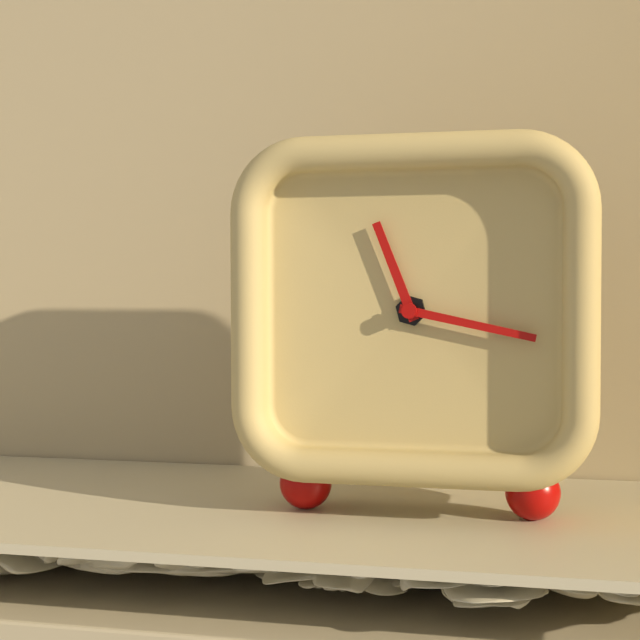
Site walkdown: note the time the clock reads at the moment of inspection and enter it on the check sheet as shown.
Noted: 11:17
